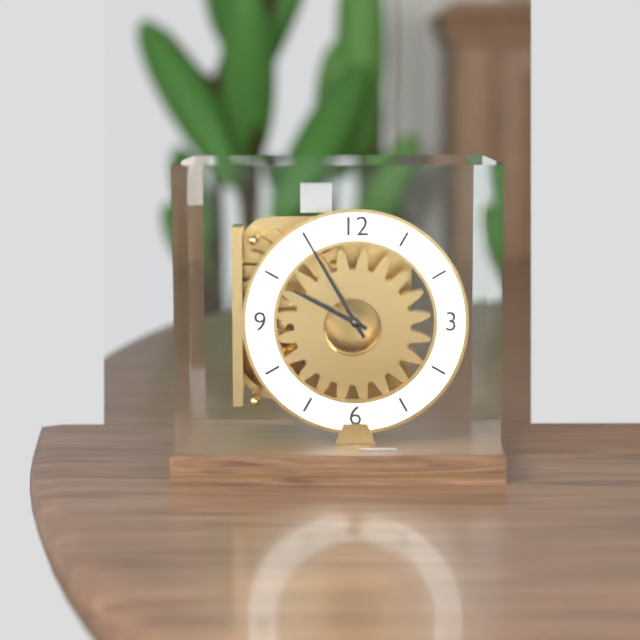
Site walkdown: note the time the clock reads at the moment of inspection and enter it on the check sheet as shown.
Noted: 9:55
